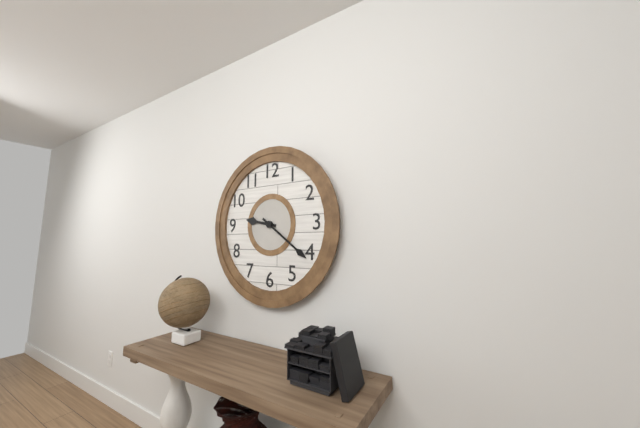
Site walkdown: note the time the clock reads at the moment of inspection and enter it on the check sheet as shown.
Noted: 9:21
